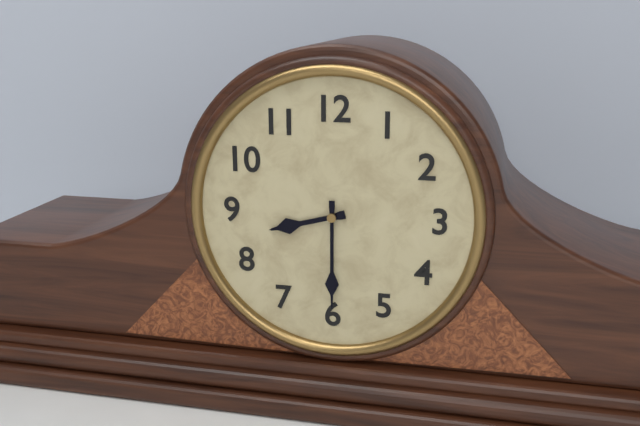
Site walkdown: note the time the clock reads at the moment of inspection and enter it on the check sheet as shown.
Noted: 8:30
